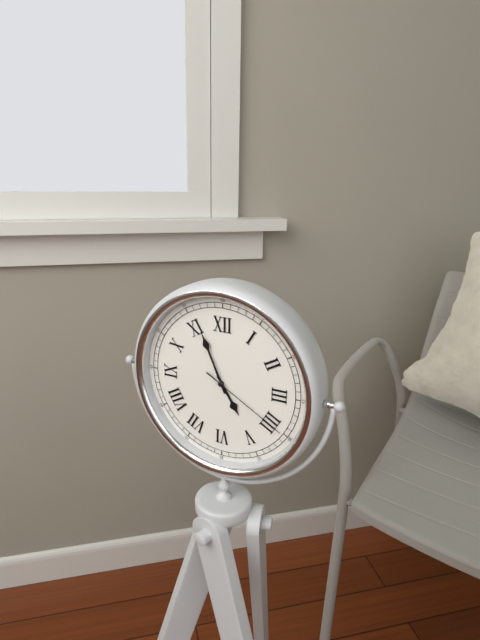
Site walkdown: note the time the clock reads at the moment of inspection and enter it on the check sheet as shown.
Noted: 4:56:20
